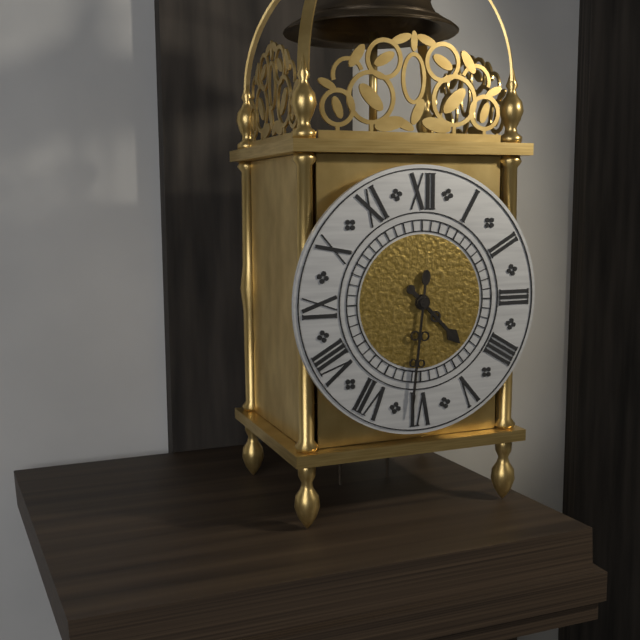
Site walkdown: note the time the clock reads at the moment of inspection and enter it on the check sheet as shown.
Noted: 4:31
